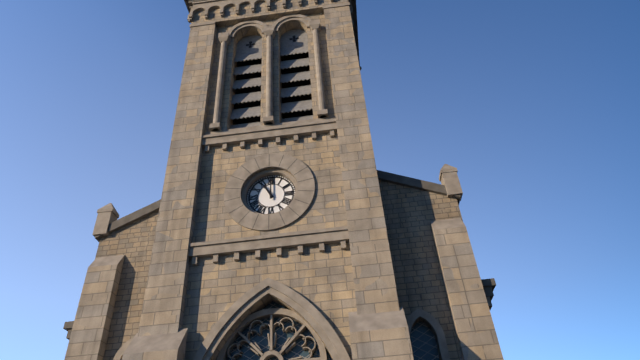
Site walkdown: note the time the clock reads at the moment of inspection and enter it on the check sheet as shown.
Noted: 11:00
